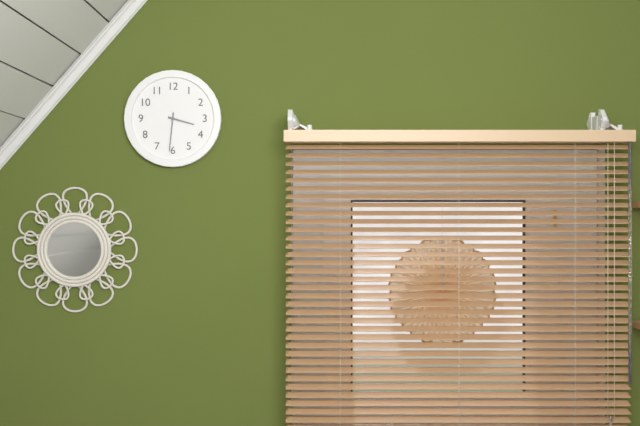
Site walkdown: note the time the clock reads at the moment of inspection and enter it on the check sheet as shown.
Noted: 3:31
